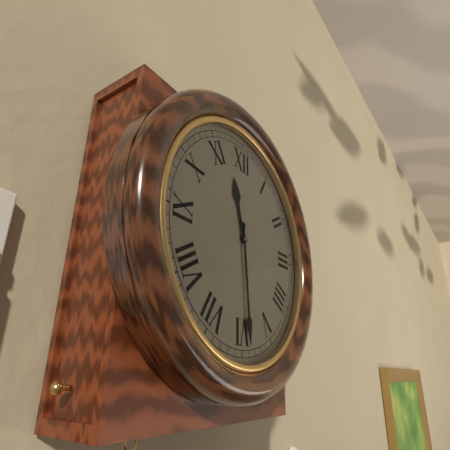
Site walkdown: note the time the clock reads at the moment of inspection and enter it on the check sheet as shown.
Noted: 11:29
